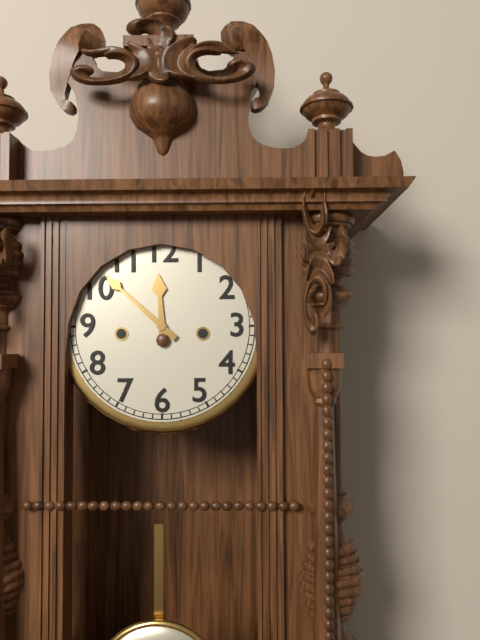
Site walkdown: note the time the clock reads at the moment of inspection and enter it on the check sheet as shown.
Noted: 11:52
